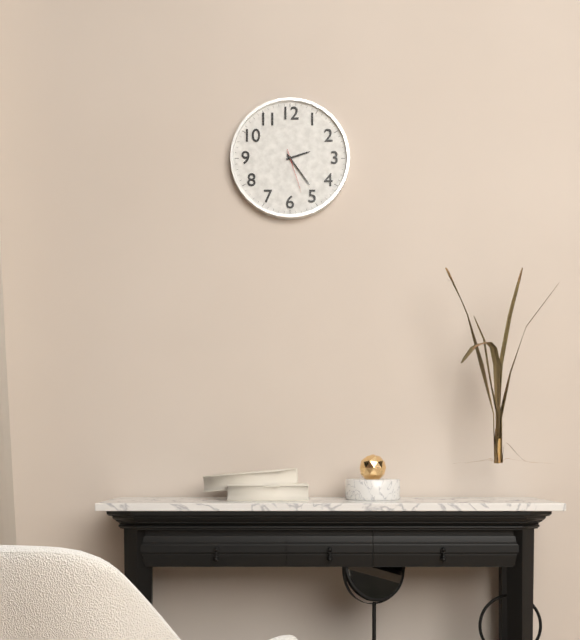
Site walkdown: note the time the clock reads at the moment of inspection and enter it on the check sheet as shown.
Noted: 2:24
